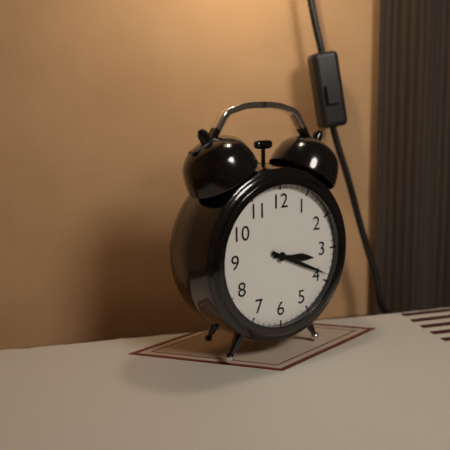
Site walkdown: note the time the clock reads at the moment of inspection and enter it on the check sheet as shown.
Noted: 3:19
